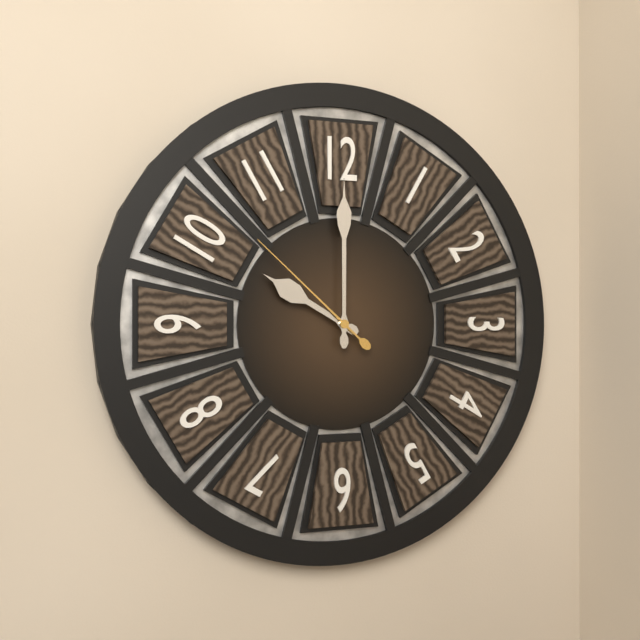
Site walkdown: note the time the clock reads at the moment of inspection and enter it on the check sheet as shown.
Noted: 10:00:52
